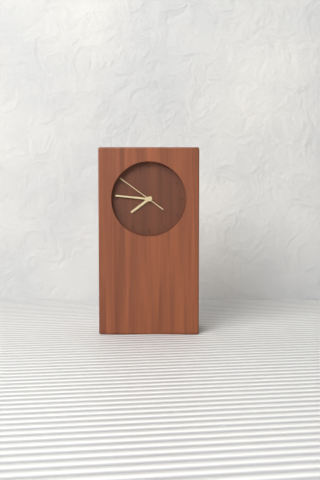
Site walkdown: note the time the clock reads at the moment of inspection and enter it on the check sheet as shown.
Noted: 7:46
